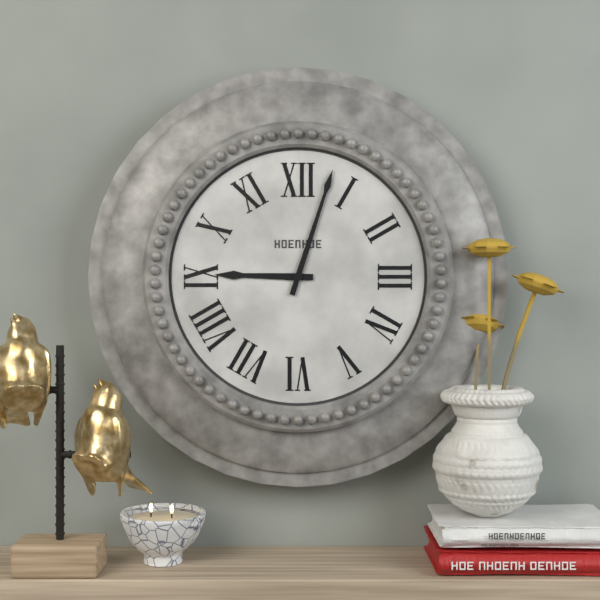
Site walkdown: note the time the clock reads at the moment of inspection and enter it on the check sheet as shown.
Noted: 9:03
